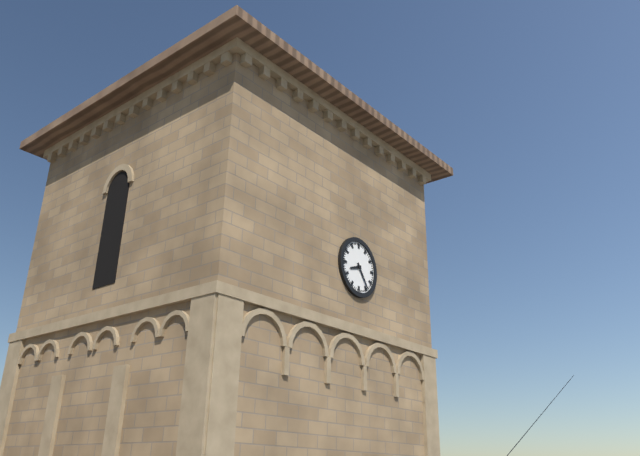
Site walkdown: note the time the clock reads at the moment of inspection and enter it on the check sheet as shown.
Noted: 8:24
